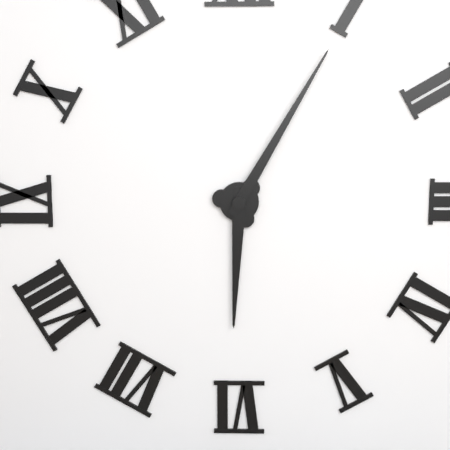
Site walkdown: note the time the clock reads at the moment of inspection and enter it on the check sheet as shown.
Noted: 6:05
